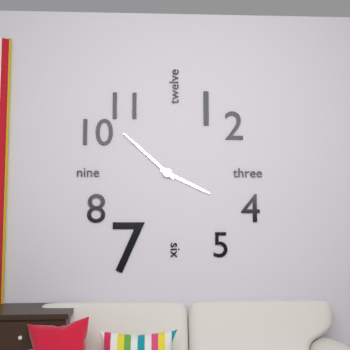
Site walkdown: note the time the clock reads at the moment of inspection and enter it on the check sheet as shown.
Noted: 3:52
